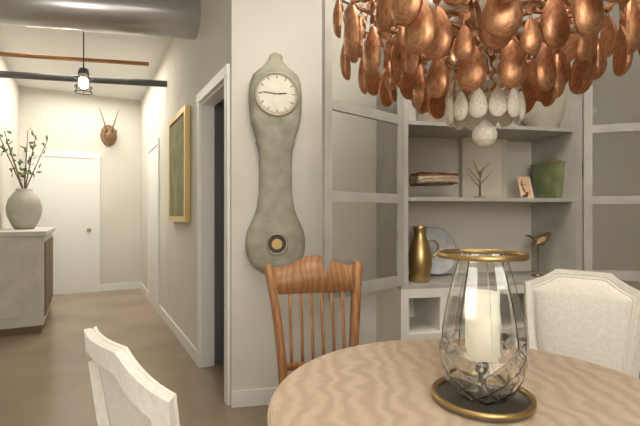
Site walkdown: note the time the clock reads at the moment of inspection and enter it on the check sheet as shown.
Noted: 2:46
